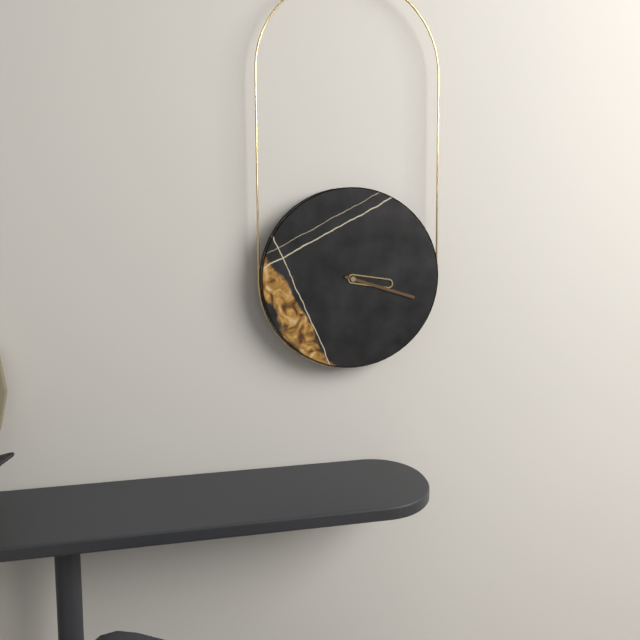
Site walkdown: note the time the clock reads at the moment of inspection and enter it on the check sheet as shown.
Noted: 3:18
